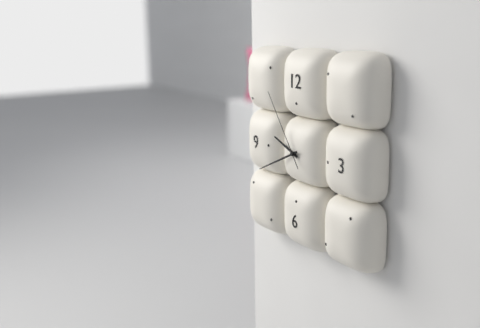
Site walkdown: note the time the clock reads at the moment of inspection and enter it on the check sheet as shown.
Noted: 9:41:54
